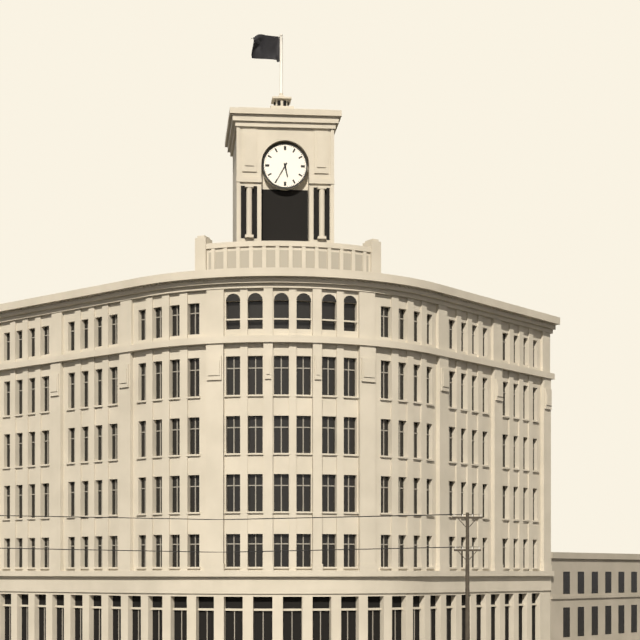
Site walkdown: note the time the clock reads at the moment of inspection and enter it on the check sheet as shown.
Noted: 5:35
